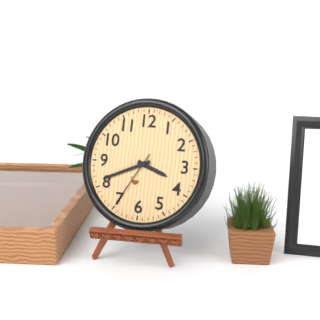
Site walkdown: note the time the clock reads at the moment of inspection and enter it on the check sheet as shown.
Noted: 3:41:35
